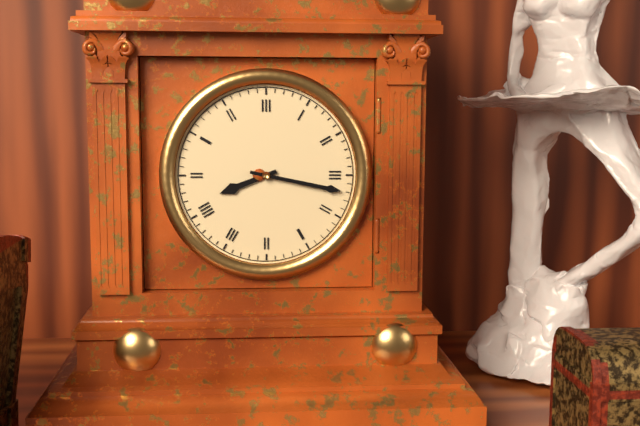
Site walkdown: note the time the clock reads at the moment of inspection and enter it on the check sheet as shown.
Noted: 8:17
